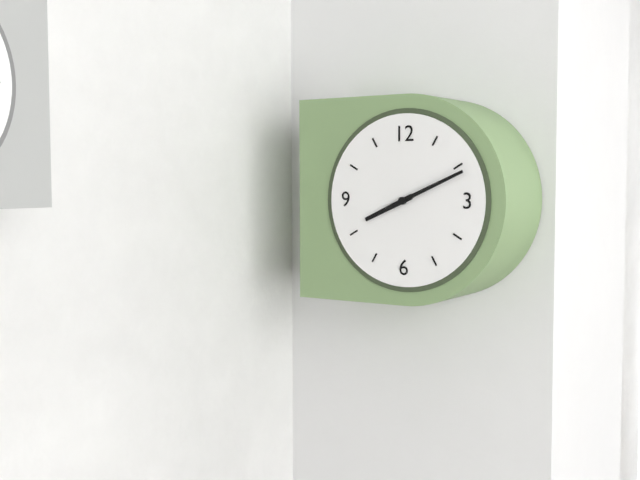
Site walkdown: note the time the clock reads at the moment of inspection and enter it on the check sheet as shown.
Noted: 8:11
